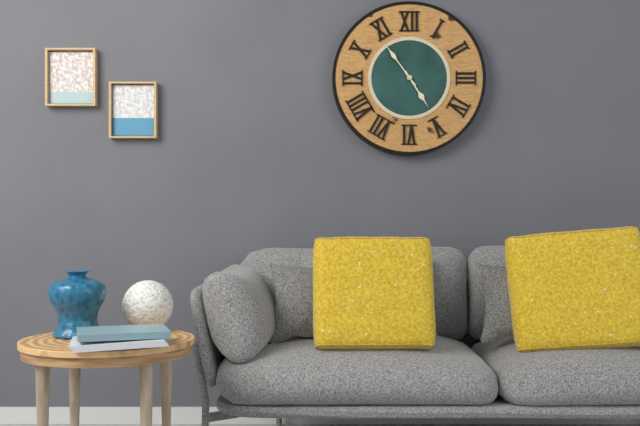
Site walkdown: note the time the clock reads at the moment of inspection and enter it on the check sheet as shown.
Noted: 4:54
